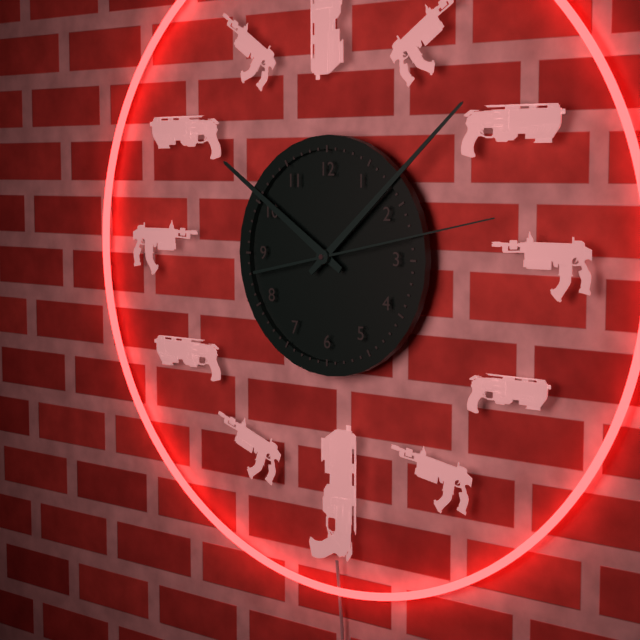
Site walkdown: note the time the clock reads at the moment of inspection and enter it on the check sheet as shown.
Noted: 10:08:13
